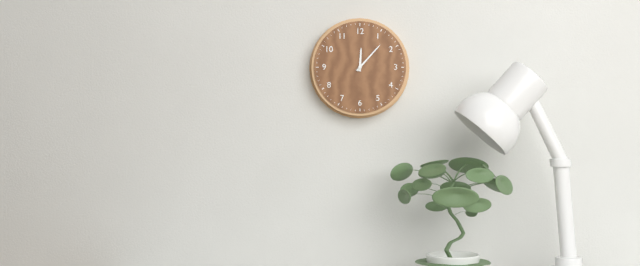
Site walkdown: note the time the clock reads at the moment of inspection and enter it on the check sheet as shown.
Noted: 12:07
